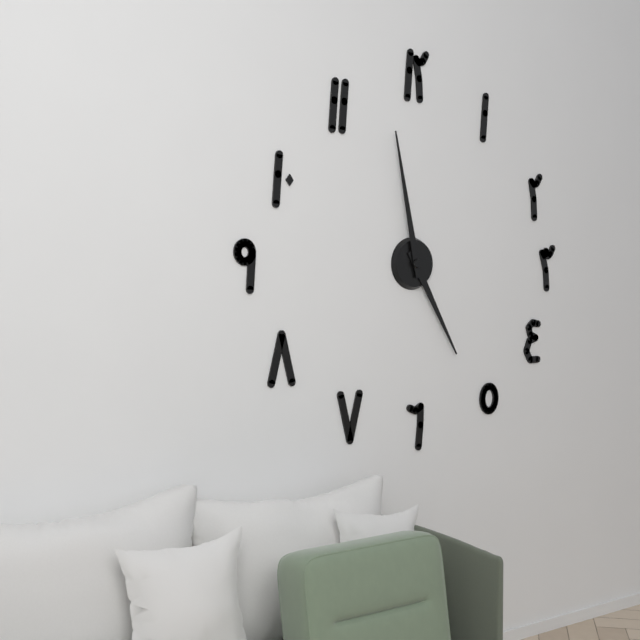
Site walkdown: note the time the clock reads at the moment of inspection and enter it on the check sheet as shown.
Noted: 4:58
